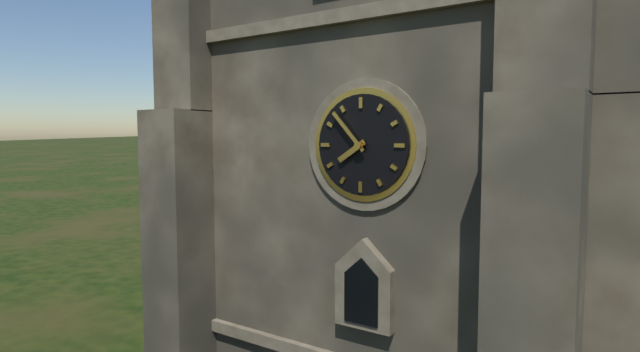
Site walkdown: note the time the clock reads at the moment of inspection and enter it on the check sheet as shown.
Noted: 7:53
